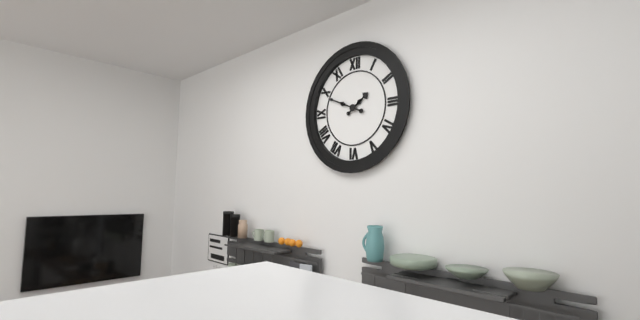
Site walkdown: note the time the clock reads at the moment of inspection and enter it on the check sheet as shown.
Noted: 1:49
